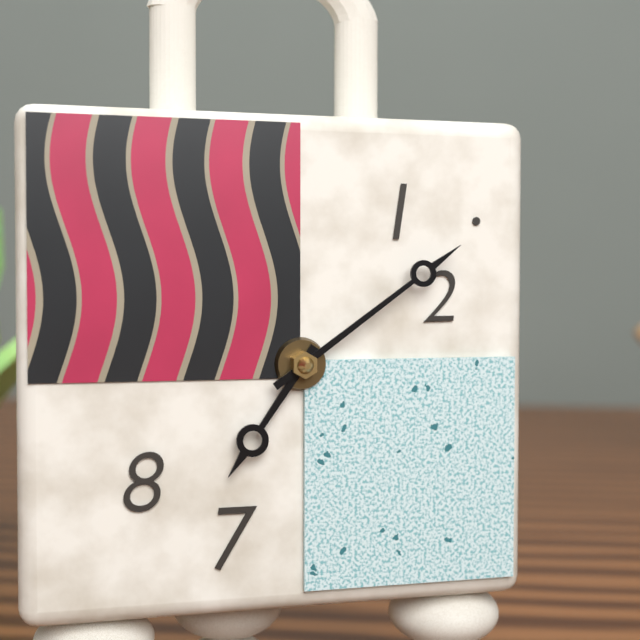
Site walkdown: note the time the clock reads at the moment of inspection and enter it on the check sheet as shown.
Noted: 7:09
